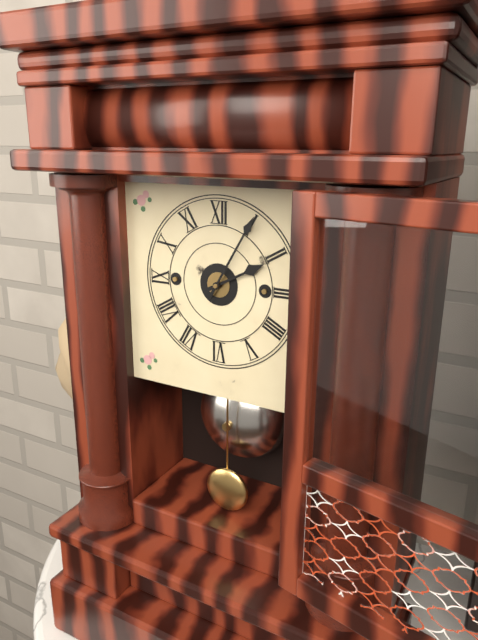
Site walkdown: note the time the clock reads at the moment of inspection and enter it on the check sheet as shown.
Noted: 2:05
